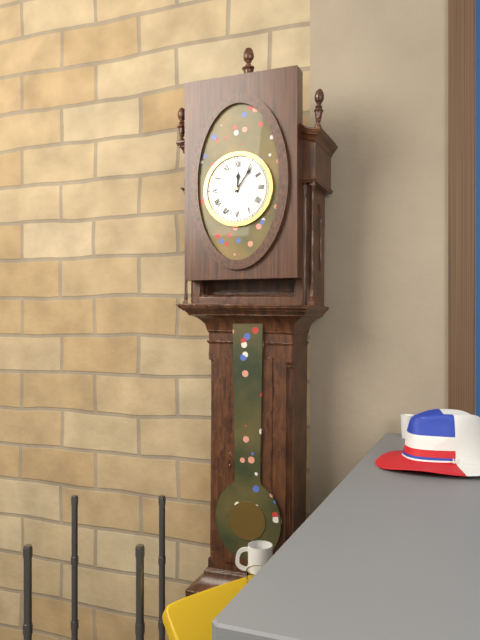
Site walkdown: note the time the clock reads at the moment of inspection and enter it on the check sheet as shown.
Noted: 12:06
